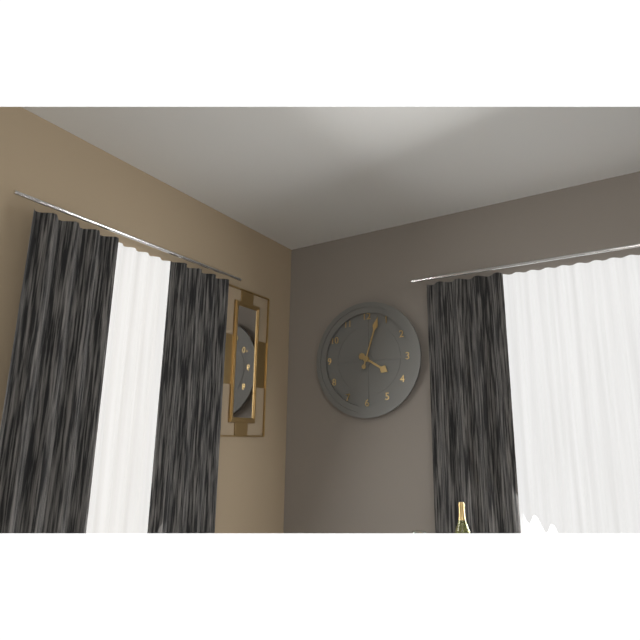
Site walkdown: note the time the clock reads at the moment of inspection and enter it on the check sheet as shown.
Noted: 4:03
